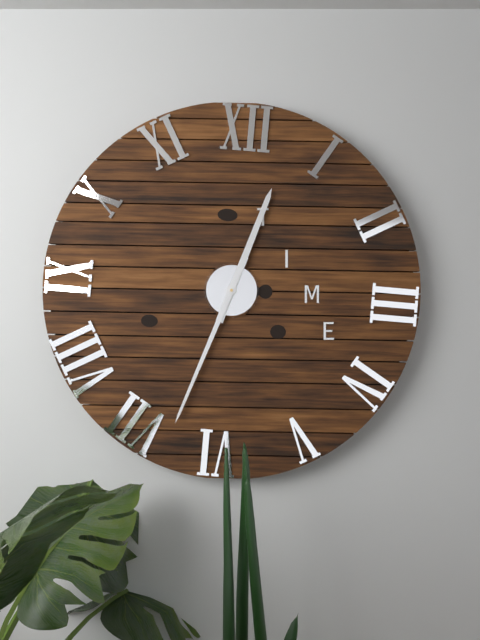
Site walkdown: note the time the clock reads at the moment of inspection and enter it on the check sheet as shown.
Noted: 12:33
